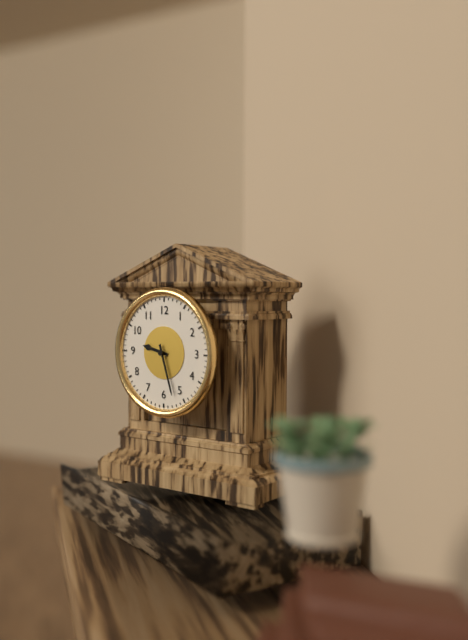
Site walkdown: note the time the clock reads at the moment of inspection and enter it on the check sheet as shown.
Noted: 9:27
